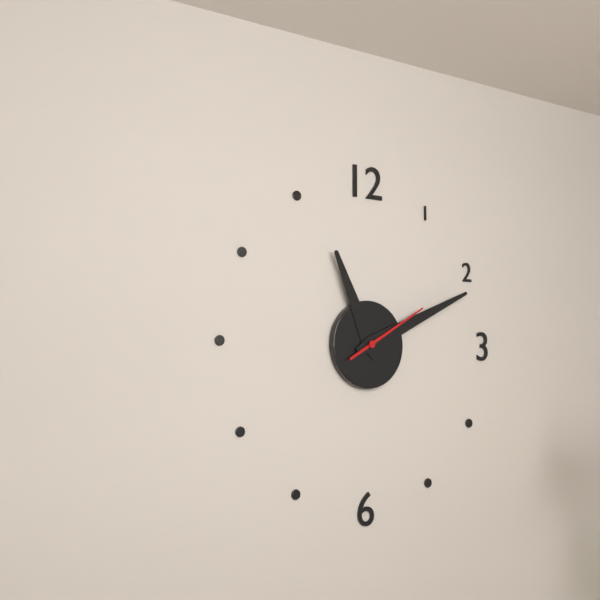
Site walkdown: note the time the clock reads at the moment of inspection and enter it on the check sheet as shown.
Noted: 11:11:10
